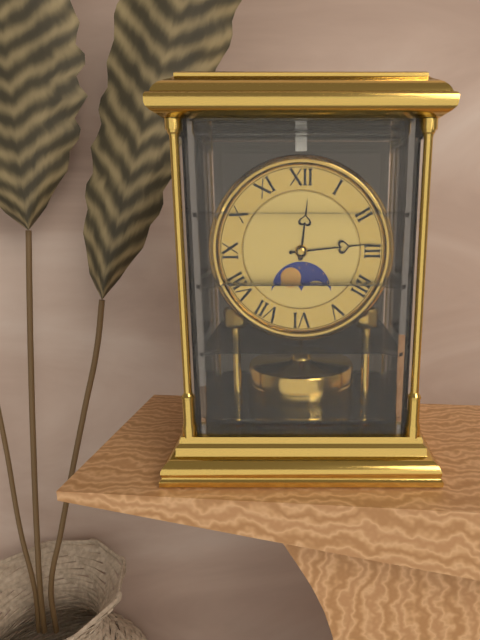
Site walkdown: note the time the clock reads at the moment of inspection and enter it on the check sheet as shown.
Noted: 12:14
